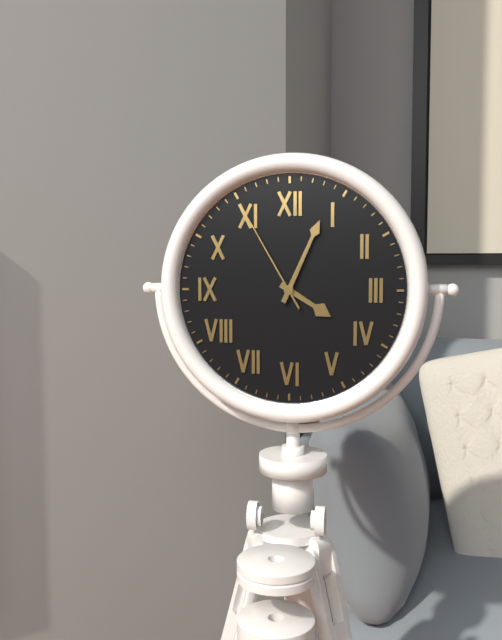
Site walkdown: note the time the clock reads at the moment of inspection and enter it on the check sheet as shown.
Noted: 4:04:55
